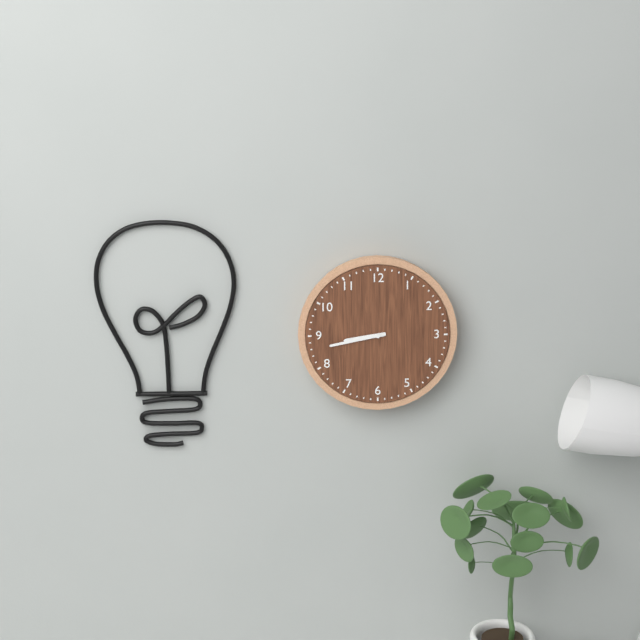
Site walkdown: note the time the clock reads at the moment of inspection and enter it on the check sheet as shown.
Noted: 8:43
